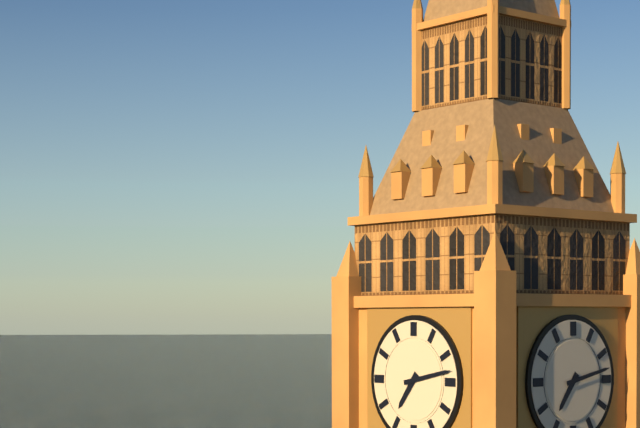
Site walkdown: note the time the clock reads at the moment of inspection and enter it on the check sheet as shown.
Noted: 7:13
